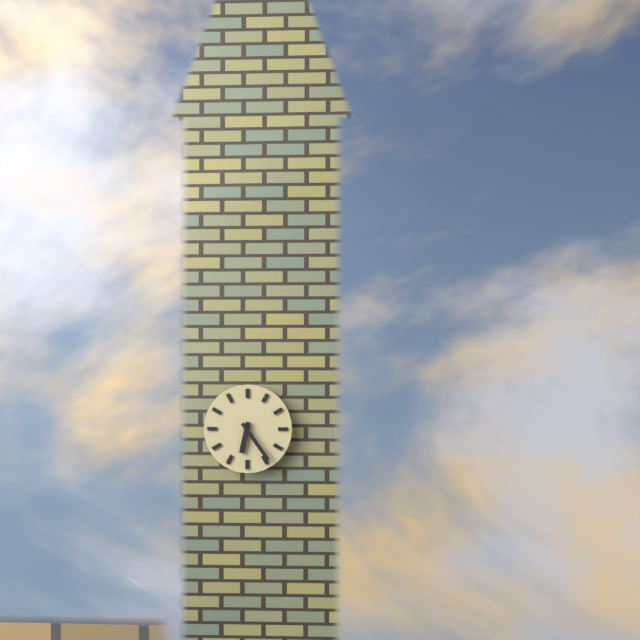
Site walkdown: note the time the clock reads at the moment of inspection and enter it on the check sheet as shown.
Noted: 6:24
